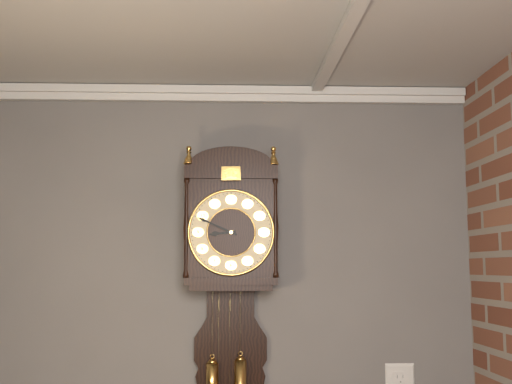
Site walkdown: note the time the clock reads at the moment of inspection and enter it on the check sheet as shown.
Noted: 8:49
